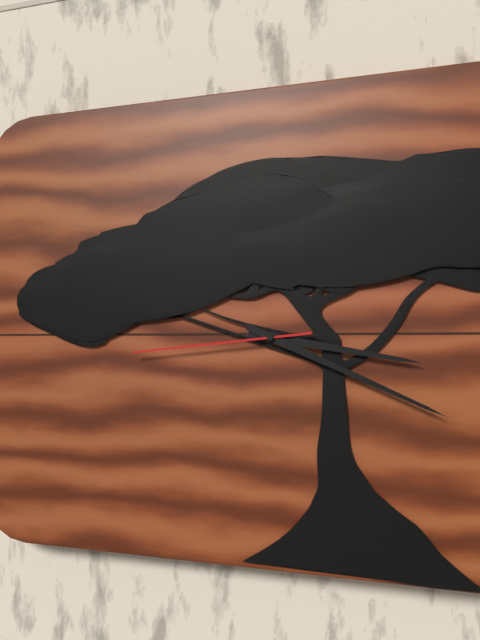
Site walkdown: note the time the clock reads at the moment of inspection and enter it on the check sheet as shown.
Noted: 3:19:44
